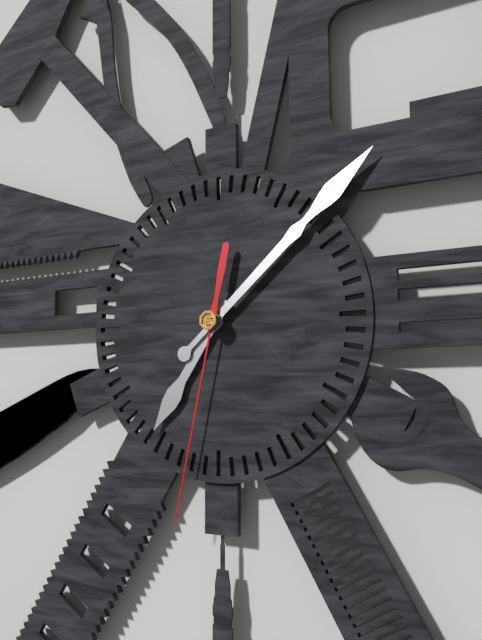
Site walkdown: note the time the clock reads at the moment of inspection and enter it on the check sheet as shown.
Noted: 7:08:32
